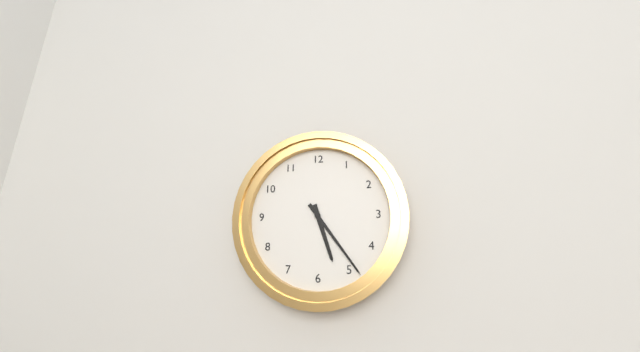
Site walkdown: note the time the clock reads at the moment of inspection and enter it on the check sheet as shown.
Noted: 5:24
